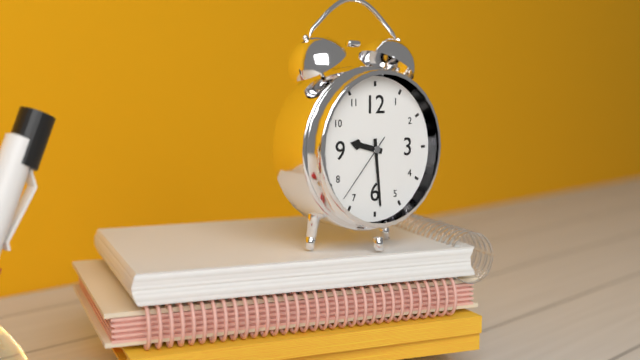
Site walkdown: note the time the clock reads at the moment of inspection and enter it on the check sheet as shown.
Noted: 9:29:37
